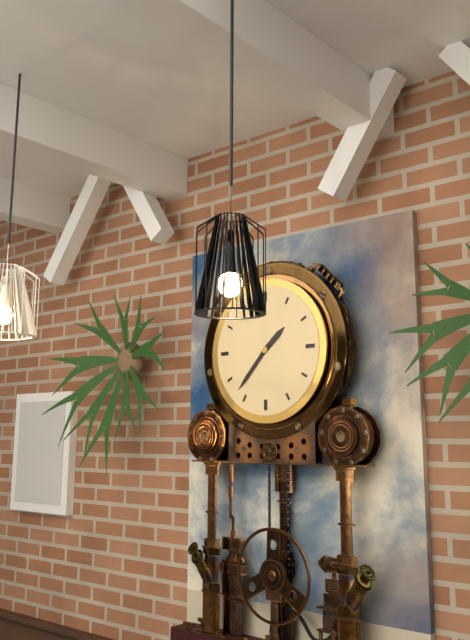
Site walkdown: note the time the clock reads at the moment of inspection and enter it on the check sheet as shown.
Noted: 1:37
